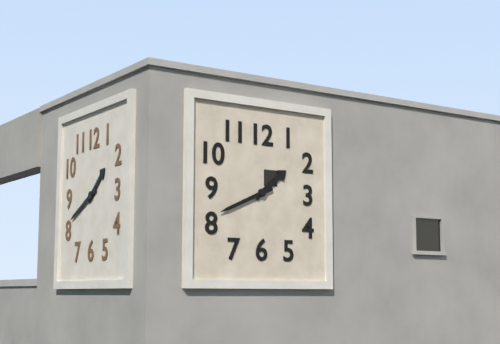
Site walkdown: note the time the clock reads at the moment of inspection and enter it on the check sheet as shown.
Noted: 1:41
